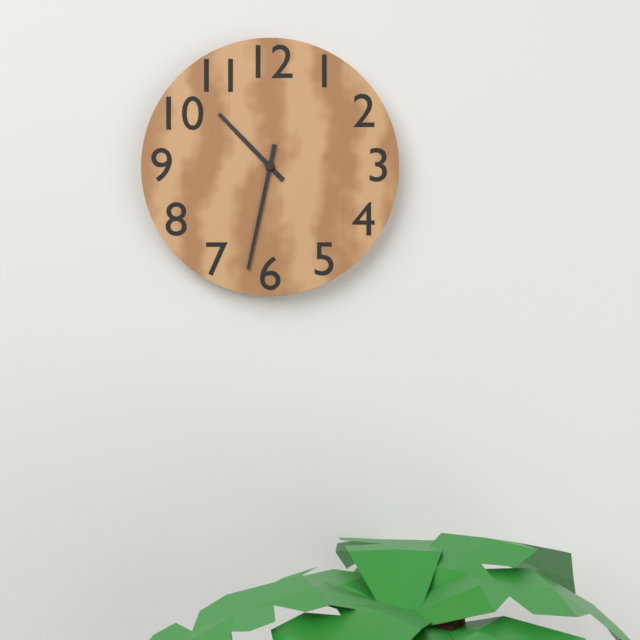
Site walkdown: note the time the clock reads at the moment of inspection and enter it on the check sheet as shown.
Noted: 10:32
